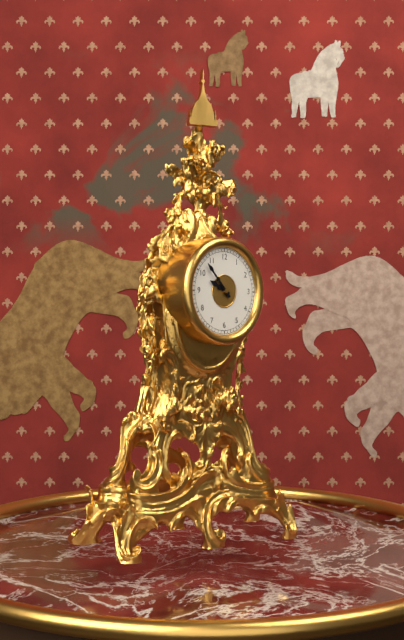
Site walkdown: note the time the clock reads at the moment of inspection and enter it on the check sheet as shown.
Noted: 9:53
